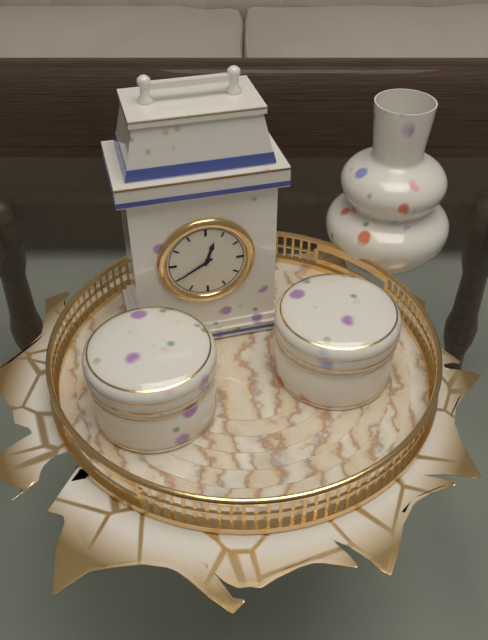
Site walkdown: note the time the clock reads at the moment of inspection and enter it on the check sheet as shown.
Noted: 12:40
